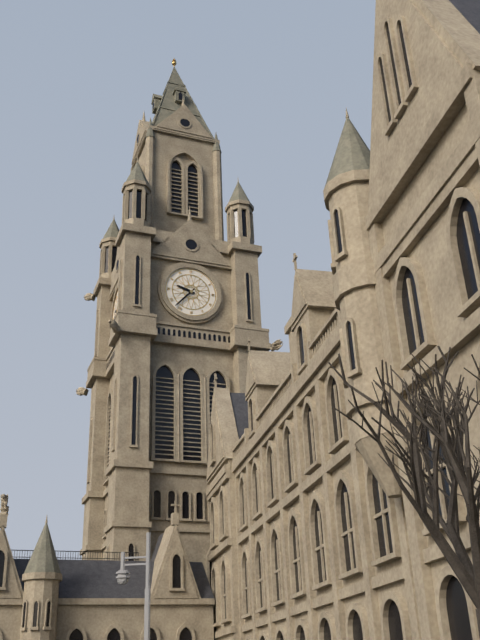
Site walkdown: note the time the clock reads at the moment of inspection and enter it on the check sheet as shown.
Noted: 9:37
